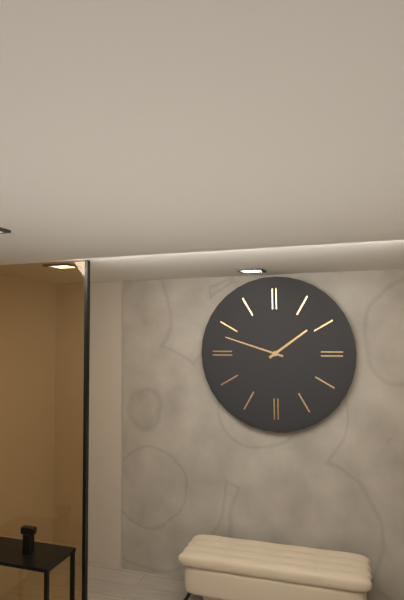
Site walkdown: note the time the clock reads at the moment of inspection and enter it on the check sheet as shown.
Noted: 1:48
